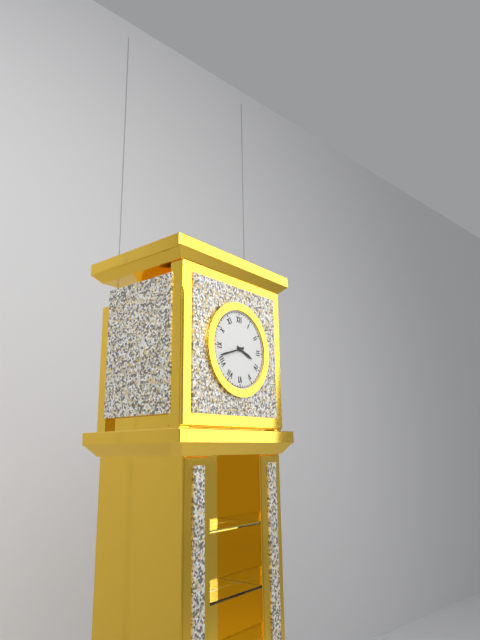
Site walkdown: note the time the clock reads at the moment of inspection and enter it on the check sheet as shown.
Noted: 3:42
